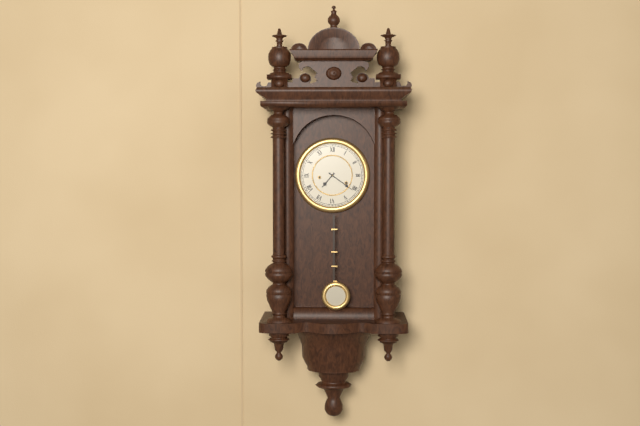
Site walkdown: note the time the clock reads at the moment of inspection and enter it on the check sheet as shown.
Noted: 7:21
